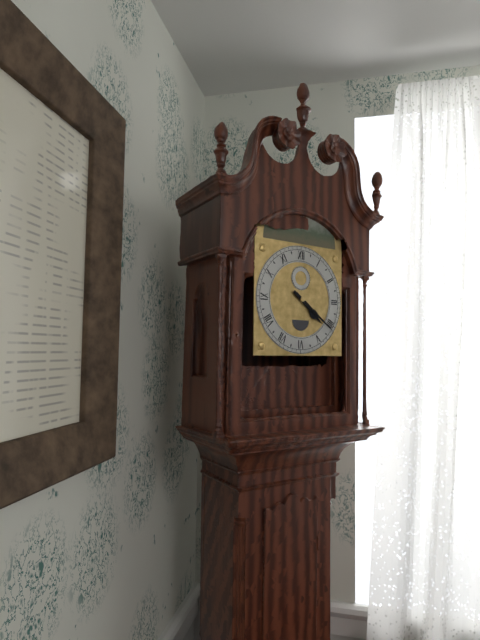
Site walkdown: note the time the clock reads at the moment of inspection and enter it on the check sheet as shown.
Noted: 4:21
